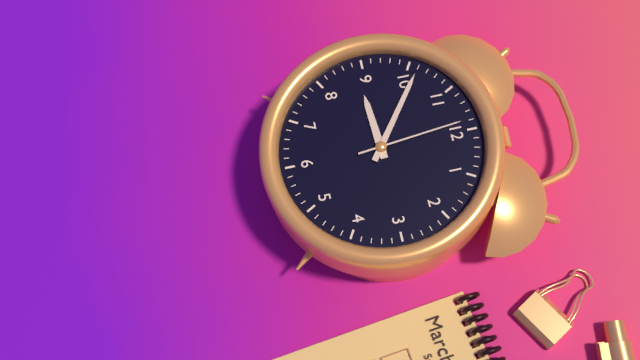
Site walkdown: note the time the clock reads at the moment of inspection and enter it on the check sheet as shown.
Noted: 8:51:59
